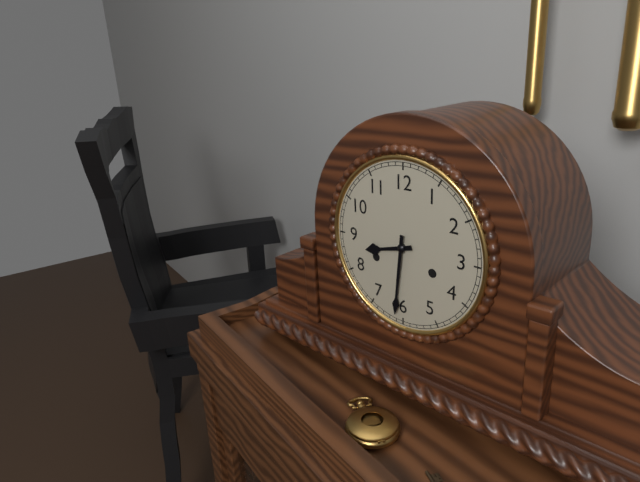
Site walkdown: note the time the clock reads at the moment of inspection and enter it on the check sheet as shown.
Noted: 8:31
